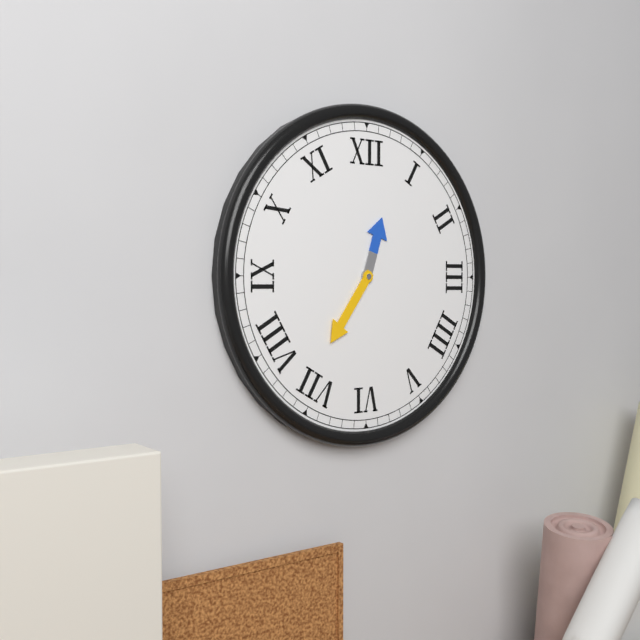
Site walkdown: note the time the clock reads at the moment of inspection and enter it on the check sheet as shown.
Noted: 12:36
